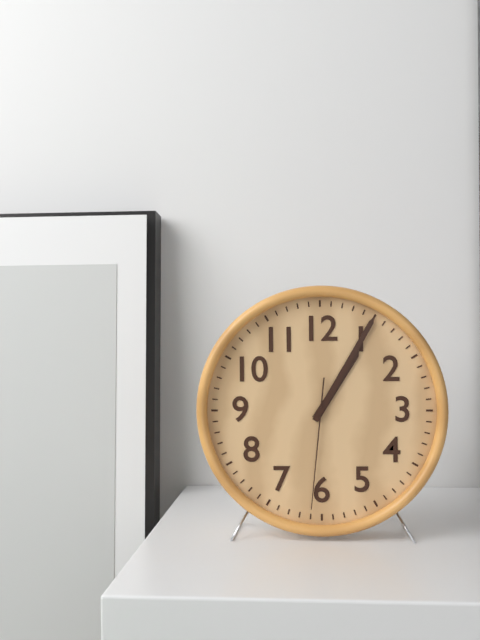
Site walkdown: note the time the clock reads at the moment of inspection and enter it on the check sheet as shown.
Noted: 1:05:31
